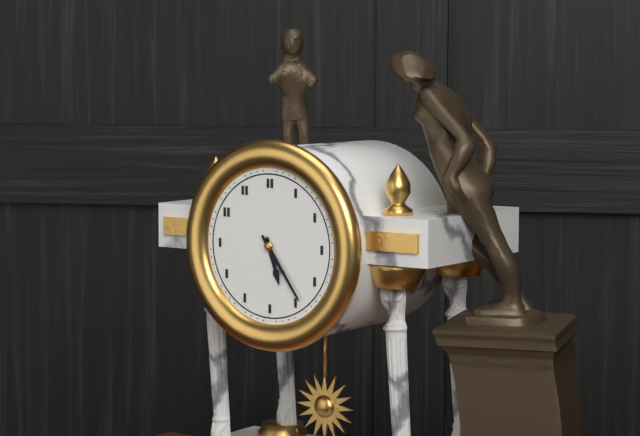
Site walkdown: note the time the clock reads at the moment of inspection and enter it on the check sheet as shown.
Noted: 5:24
